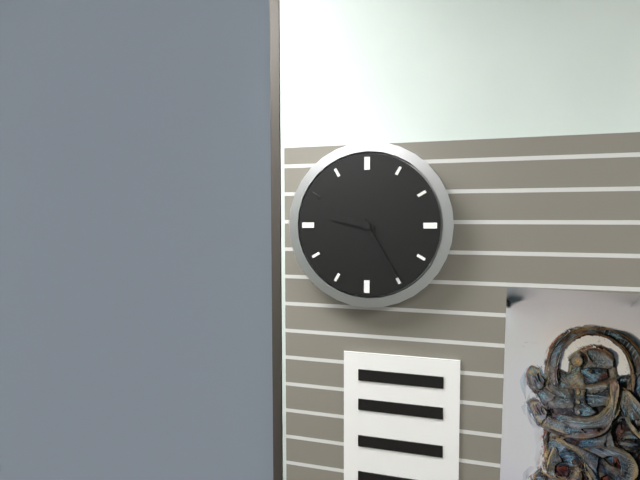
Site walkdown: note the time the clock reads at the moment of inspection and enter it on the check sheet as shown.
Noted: 9:25
